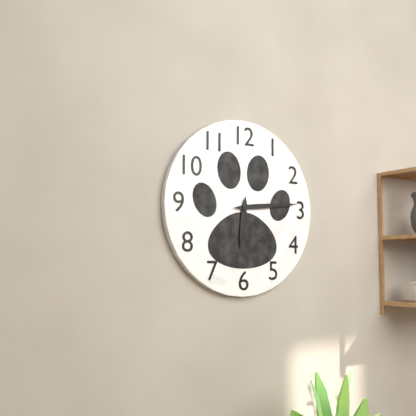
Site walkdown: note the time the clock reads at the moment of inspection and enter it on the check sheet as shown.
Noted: 6:14
